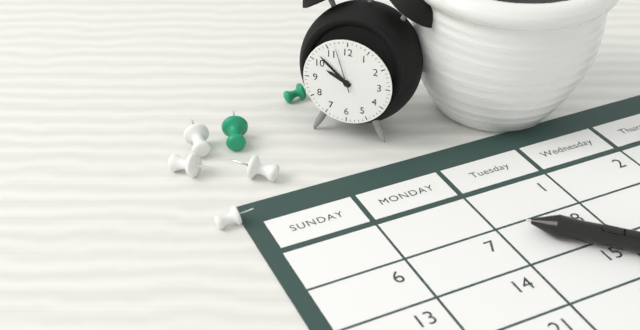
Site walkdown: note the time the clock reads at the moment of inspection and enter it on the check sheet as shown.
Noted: 9:52
